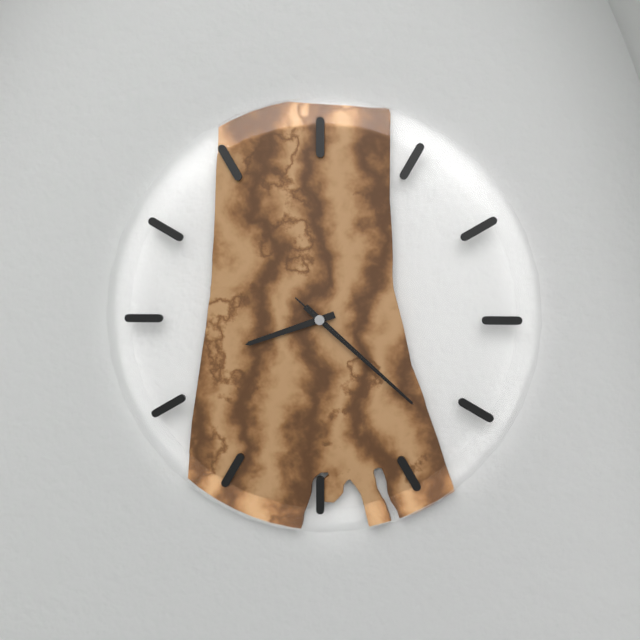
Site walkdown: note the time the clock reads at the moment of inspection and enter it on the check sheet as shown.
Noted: 8:22:22
